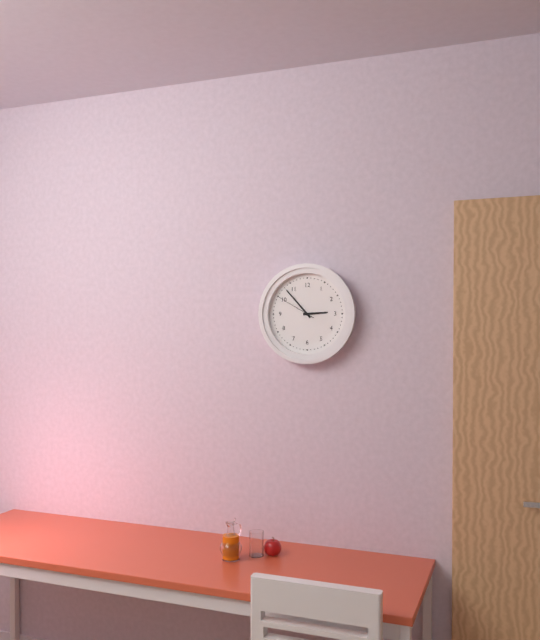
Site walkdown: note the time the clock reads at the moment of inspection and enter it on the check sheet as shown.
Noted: 2:53
